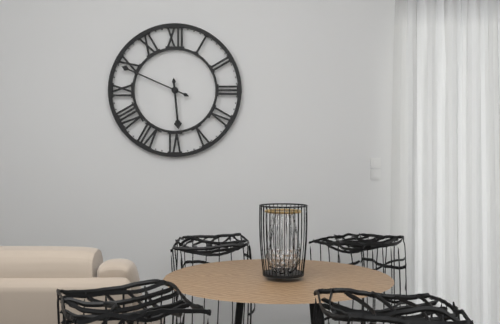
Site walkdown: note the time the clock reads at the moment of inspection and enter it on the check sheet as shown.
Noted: 5:49
